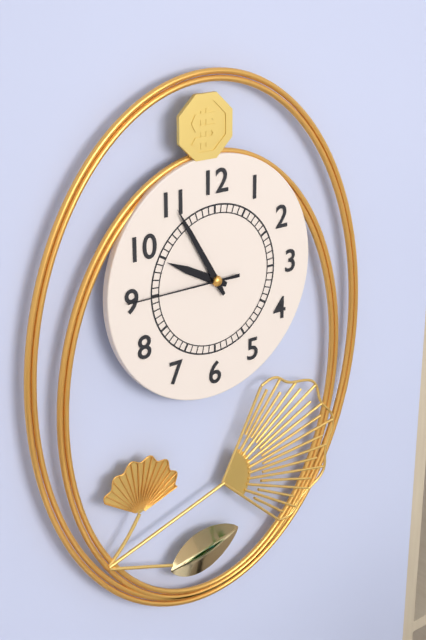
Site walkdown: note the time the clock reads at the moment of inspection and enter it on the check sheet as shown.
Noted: 9:55:45
